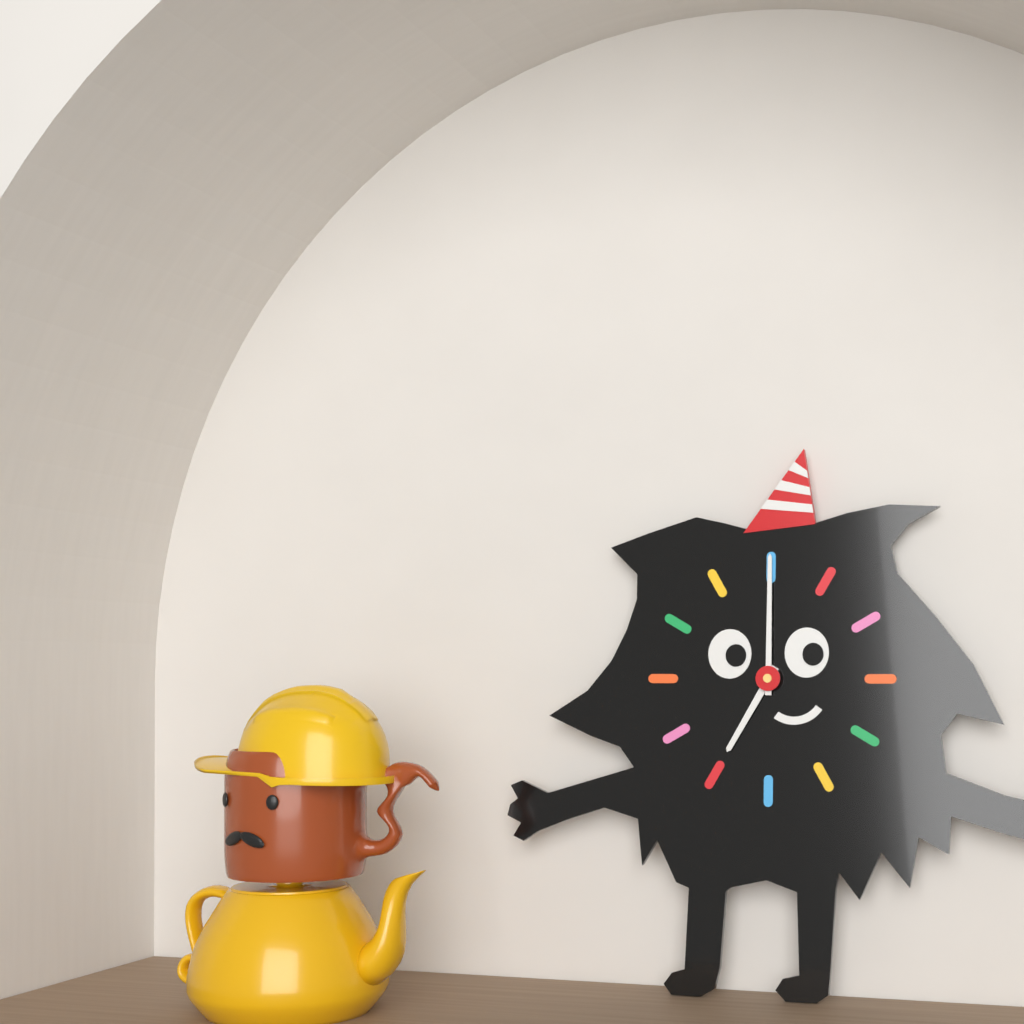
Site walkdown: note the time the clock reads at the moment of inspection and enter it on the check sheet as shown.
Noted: 7:00
